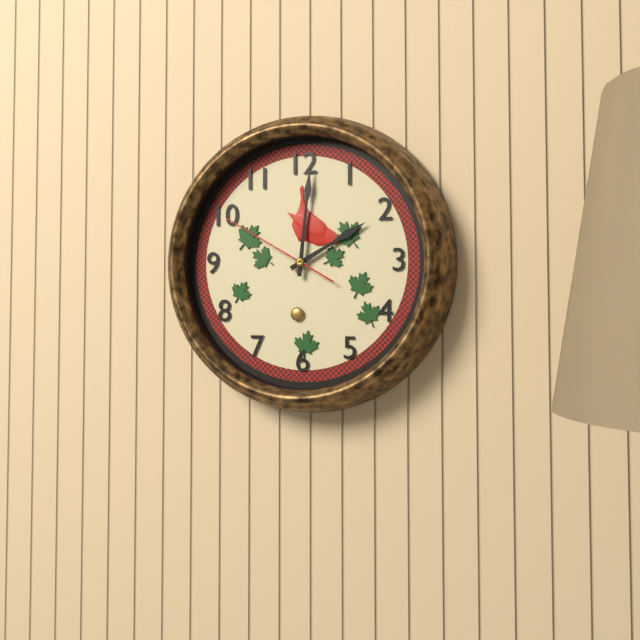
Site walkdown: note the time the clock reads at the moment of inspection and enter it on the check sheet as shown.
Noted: 2:01:50
